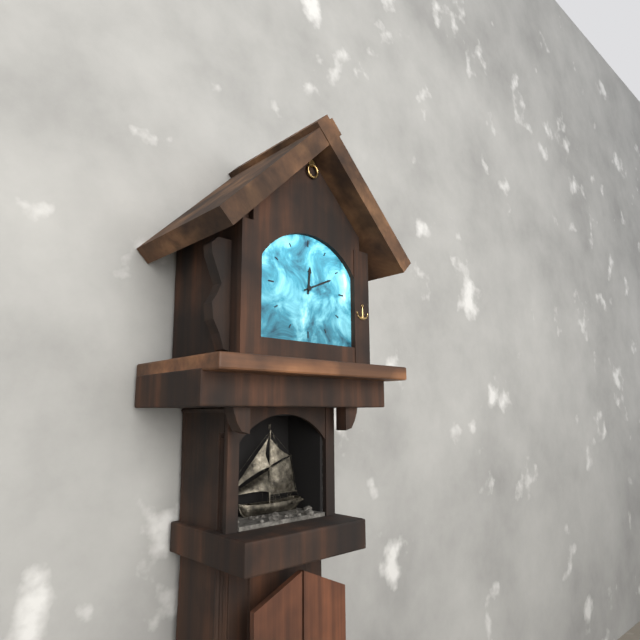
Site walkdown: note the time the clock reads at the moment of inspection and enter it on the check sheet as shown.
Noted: 12:11
